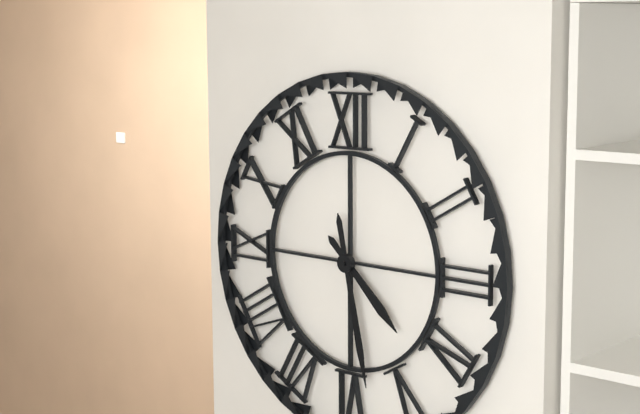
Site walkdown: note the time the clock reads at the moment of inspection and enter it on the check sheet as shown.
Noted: 4:28
